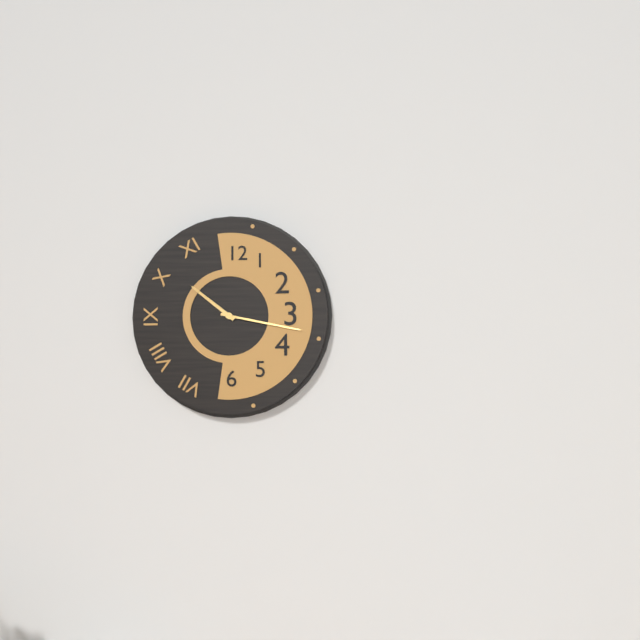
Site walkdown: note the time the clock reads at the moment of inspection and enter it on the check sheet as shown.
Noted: 10:17
